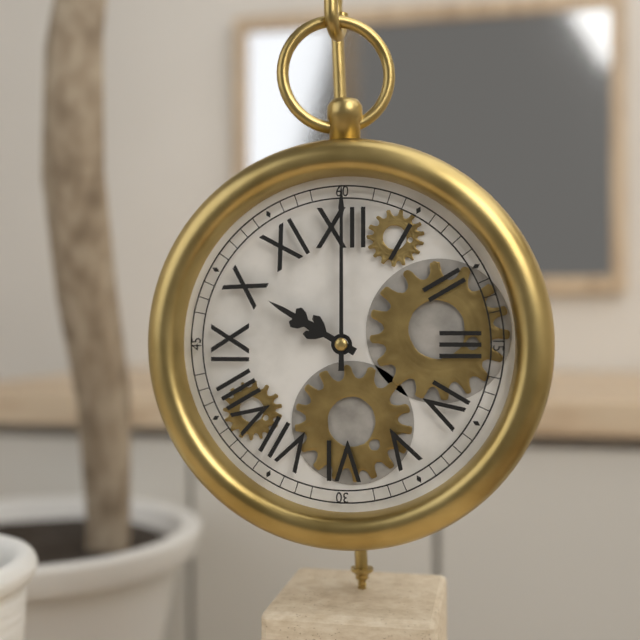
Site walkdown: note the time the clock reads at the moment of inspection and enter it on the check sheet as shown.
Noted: 10:00
